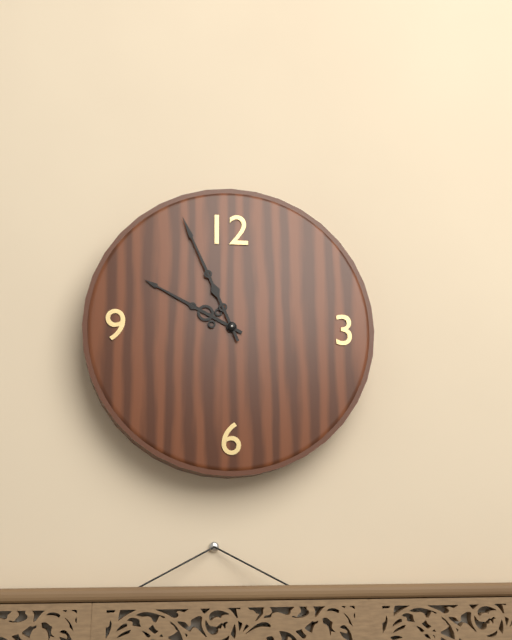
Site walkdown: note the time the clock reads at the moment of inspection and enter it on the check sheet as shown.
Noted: 9:56
